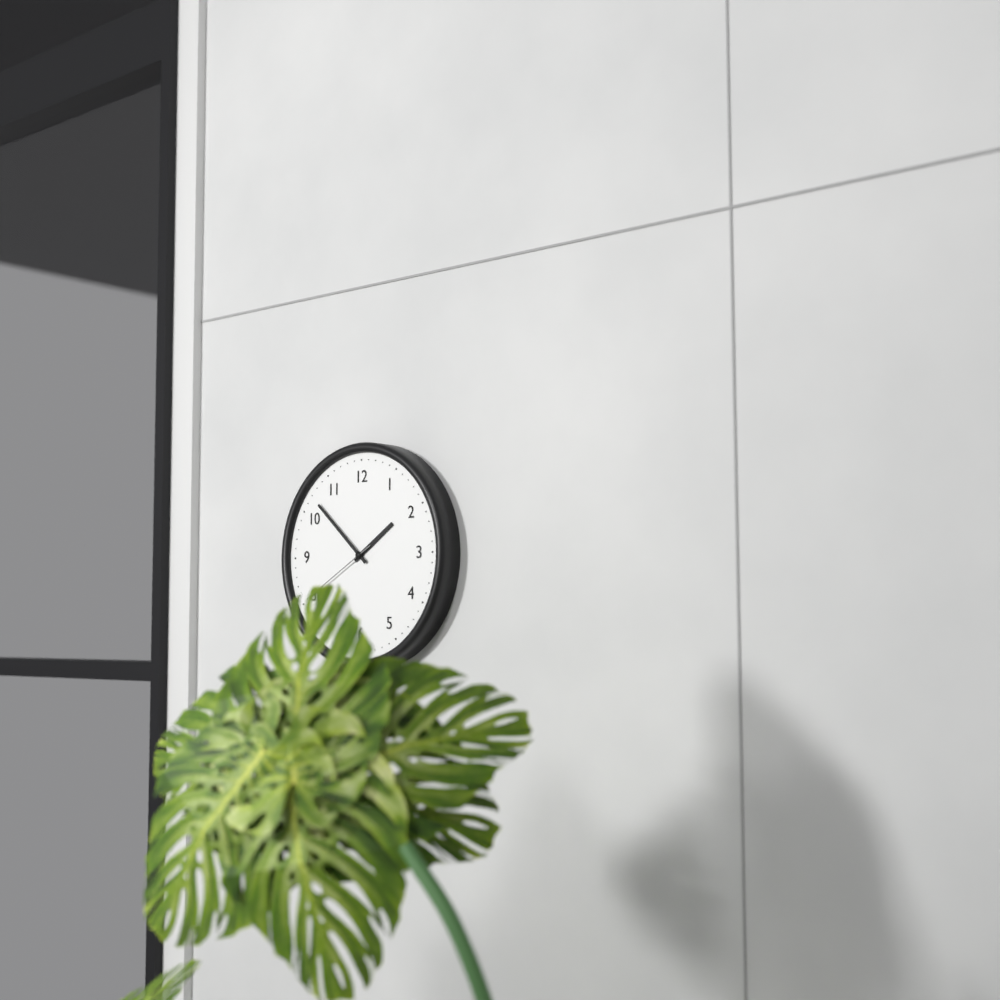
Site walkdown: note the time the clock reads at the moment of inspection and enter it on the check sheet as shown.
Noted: 1:52:40
